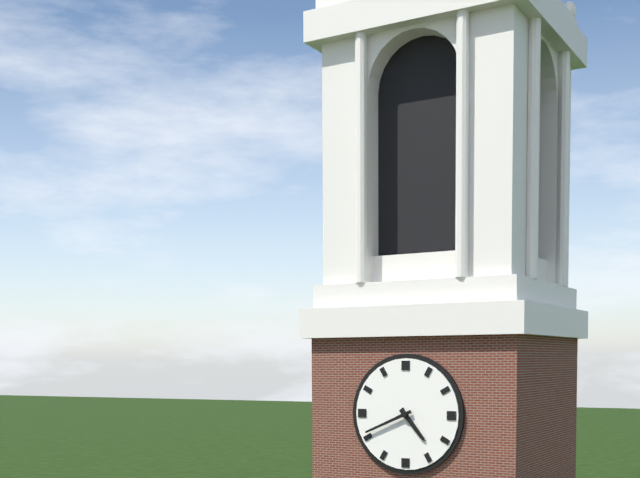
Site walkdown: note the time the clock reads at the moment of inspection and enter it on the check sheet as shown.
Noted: 4:41
